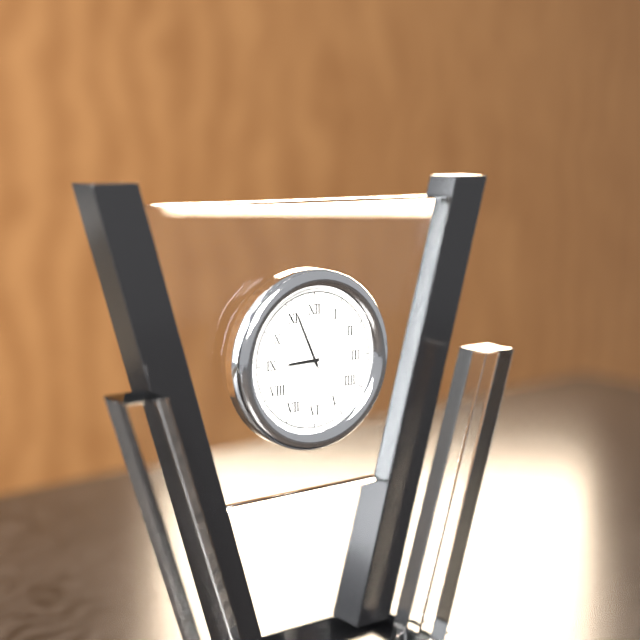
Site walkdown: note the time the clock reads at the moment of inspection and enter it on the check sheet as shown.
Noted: 8:56:26
